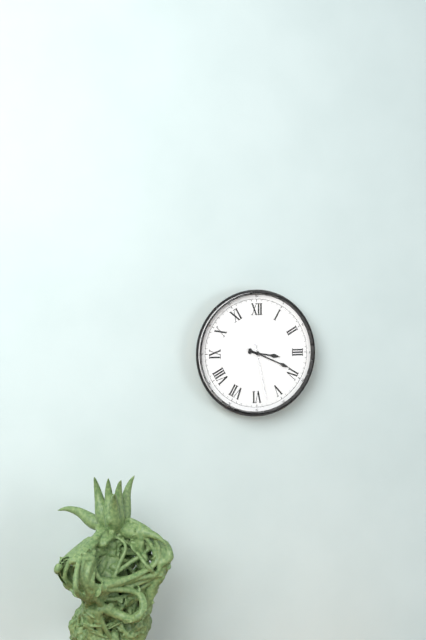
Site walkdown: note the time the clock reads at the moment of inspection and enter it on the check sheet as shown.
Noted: 3:19:28
